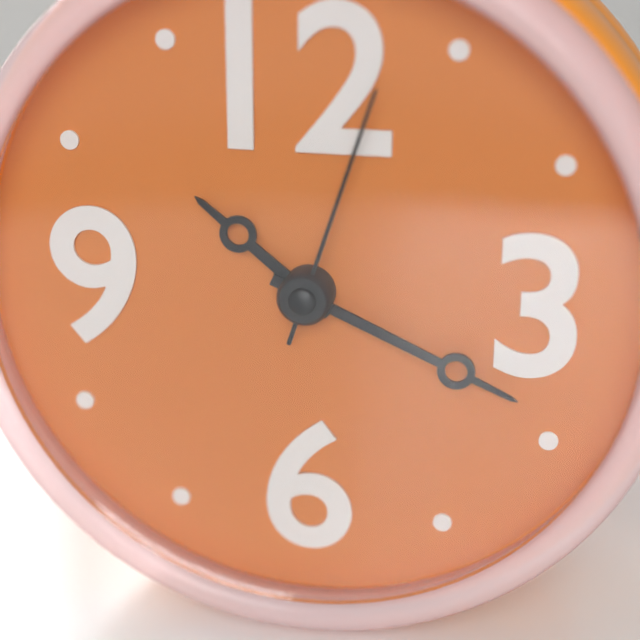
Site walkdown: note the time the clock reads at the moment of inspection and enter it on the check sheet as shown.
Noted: 10:19:03
